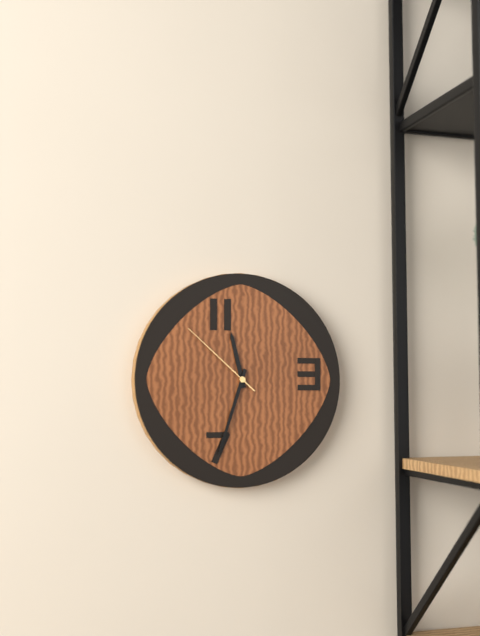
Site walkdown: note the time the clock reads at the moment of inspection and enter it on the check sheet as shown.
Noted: 11:33:52
